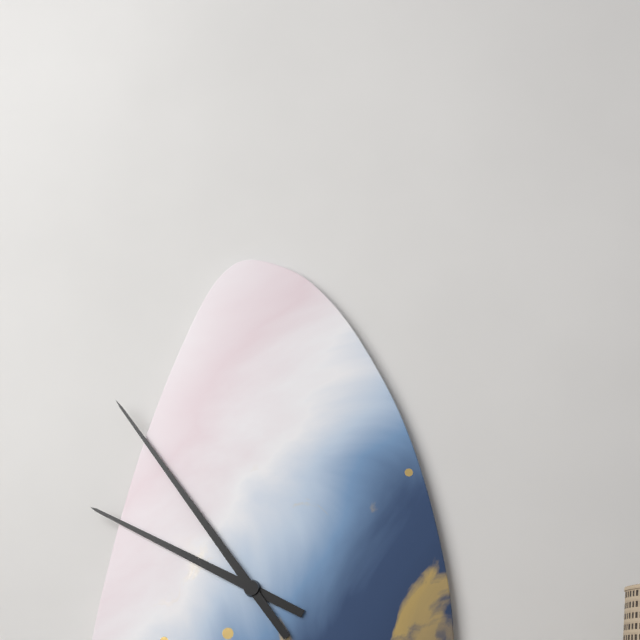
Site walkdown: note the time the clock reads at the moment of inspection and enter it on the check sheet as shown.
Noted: 9:54
